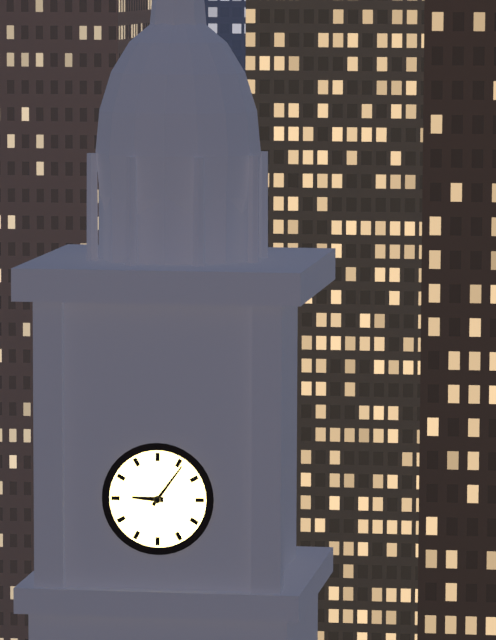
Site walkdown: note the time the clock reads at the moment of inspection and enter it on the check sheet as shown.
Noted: 9:06
